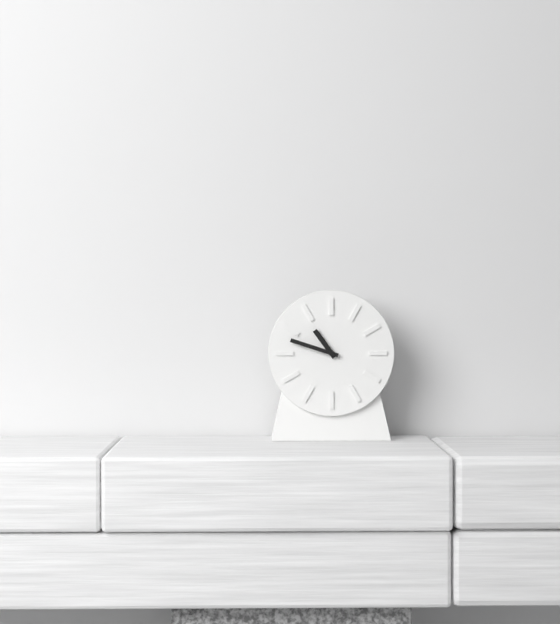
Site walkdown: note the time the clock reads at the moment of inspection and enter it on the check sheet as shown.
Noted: 10:48
